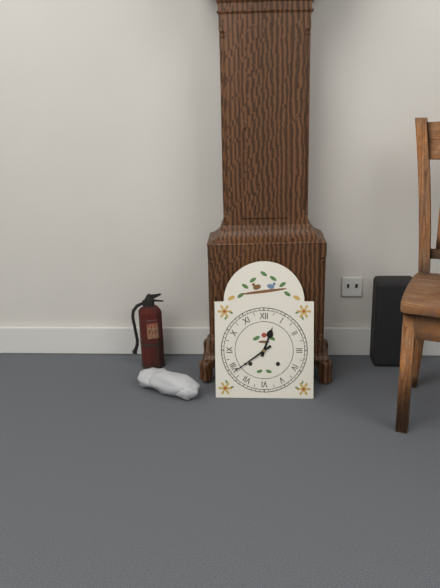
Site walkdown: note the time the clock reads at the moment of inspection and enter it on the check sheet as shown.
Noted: 12:39
